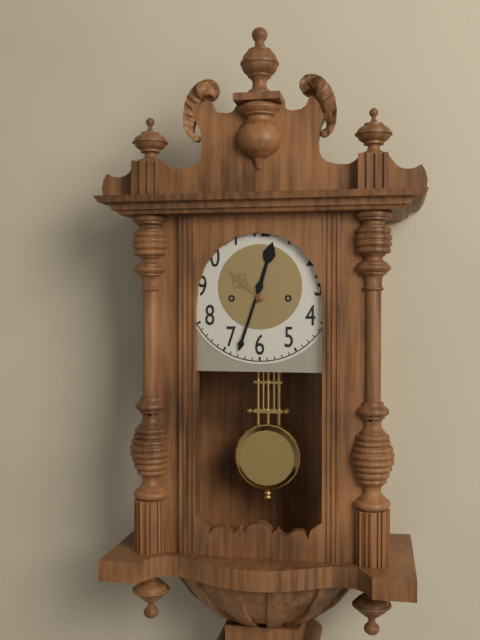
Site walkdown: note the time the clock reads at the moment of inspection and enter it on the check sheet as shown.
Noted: 12:33
